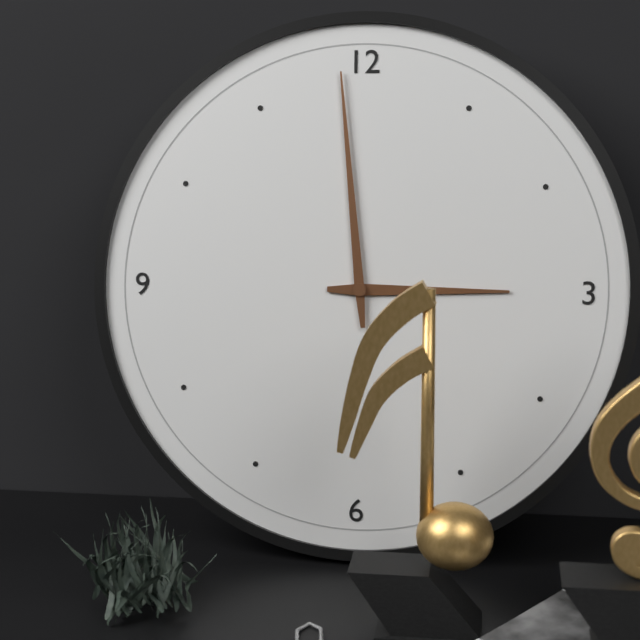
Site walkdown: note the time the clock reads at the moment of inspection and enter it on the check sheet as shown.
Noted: 2:59
